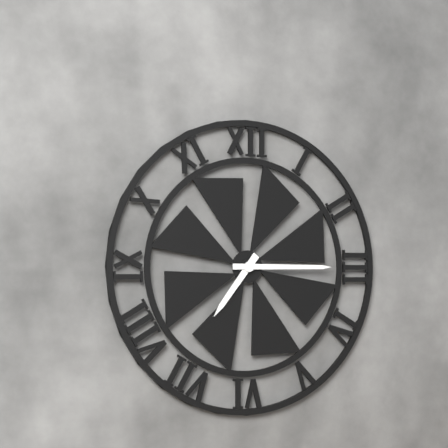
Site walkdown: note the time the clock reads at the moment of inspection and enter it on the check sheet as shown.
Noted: 7:15
